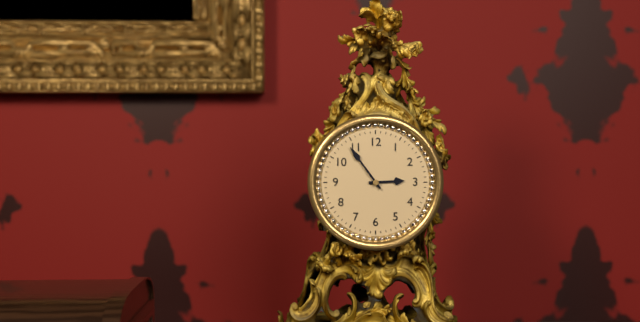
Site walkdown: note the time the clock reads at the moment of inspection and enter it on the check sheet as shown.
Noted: 2:54
